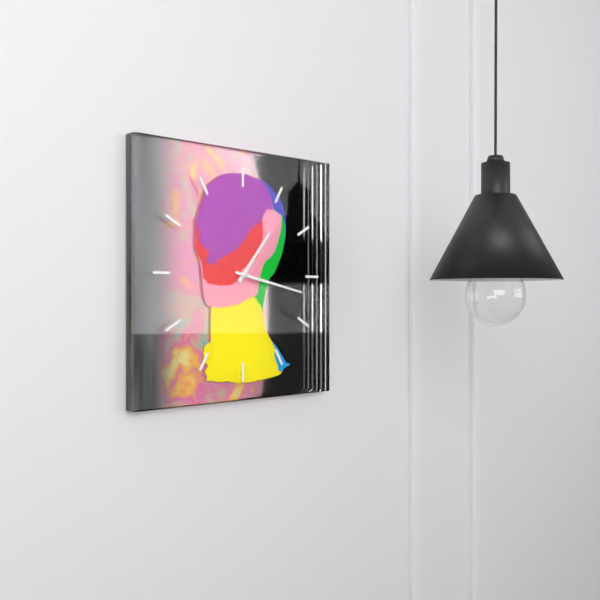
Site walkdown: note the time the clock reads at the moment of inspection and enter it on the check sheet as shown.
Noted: 1:17
